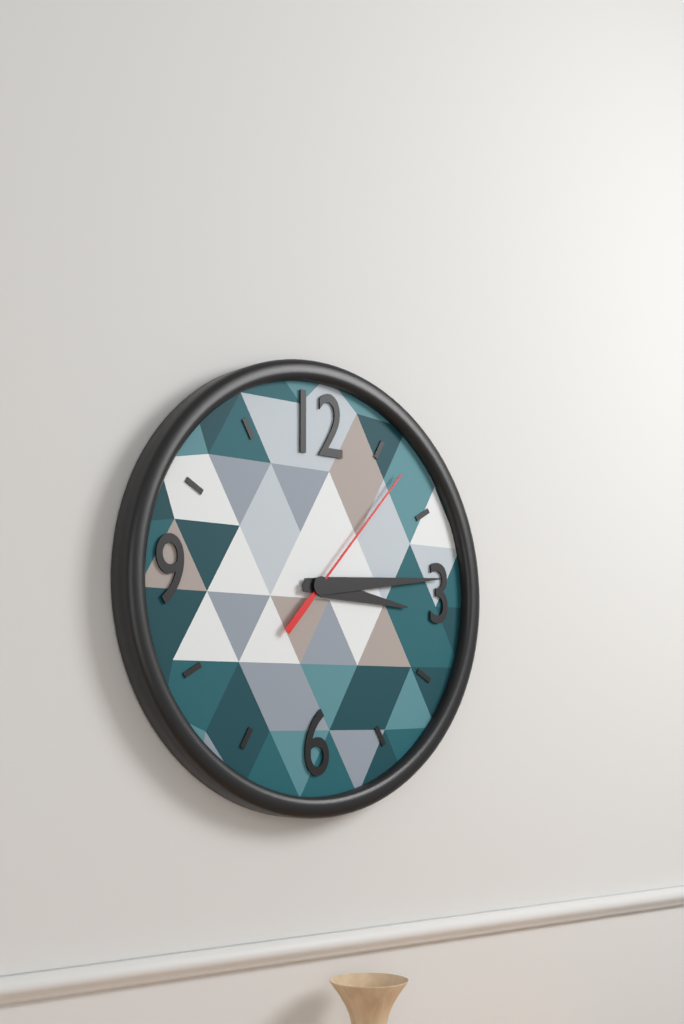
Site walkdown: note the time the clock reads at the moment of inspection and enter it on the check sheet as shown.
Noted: 3:14:07
